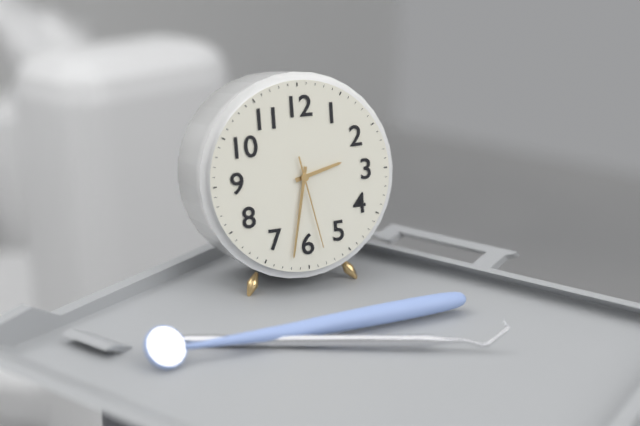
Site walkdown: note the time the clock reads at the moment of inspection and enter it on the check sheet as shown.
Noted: 2:32:28
